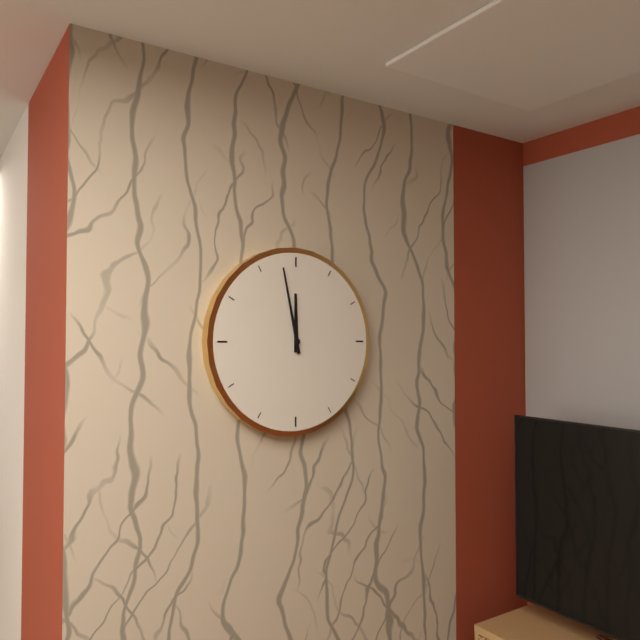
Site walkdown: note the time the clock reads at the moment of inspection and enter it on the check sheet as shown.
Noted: 11:58
